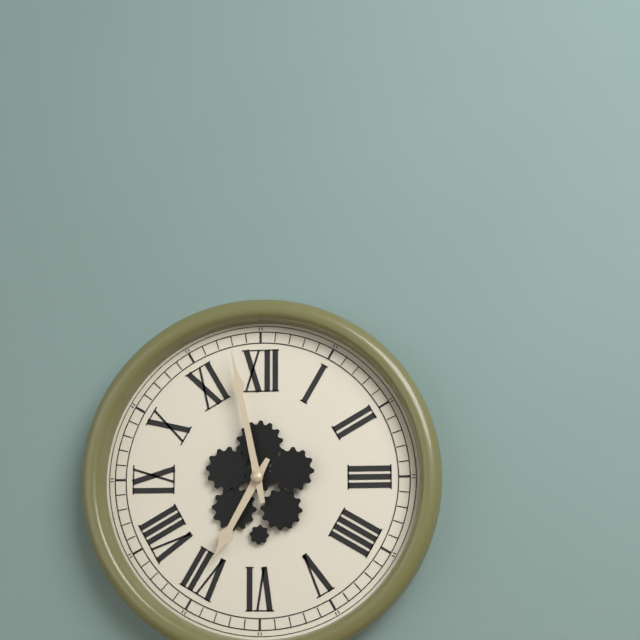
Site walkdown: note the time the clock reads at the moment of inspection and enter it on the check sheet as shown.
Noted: 6:58
